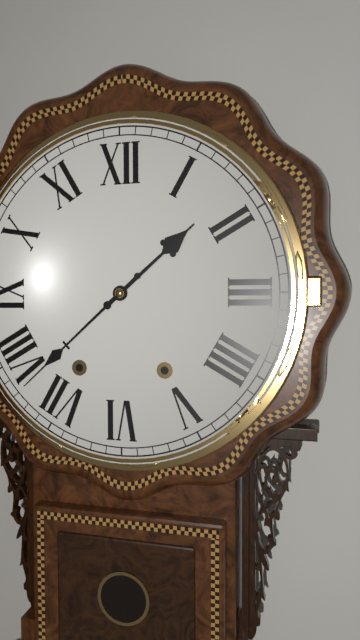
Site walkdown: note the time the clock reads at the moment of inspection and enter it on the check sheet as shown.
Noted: 1:38
